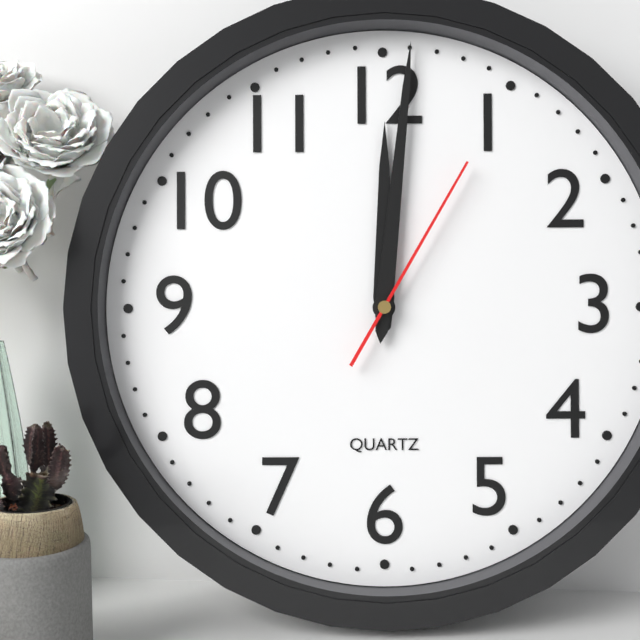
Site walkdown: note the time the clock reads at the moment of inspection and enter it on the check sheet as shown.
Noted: 12:01:05
